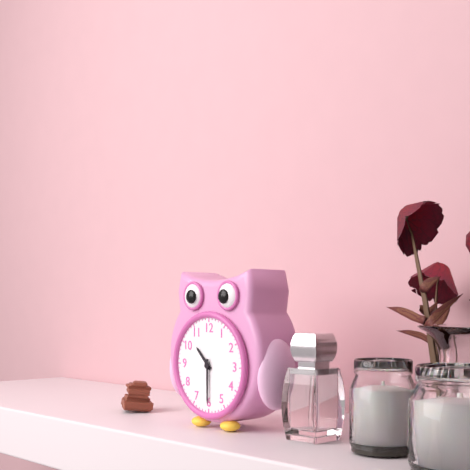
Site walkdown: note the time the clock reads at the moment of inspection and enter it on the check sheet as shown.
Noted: 10:30
